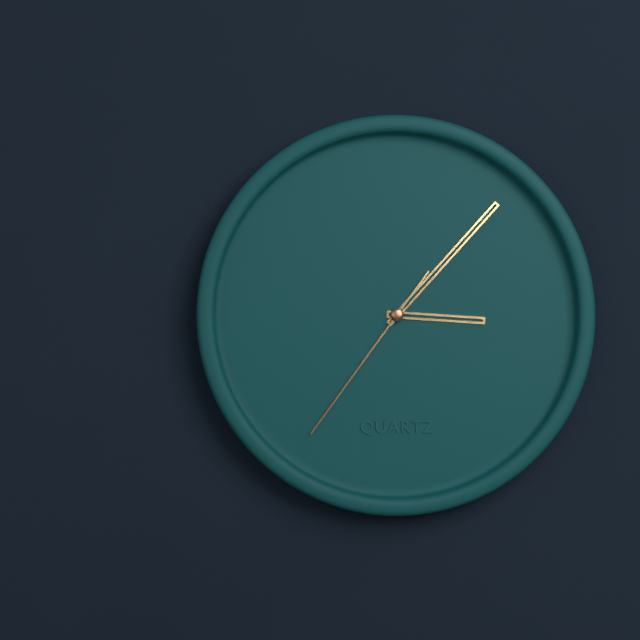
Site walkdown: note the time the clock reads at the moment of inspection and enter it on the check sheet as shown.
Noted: 3:07:36
